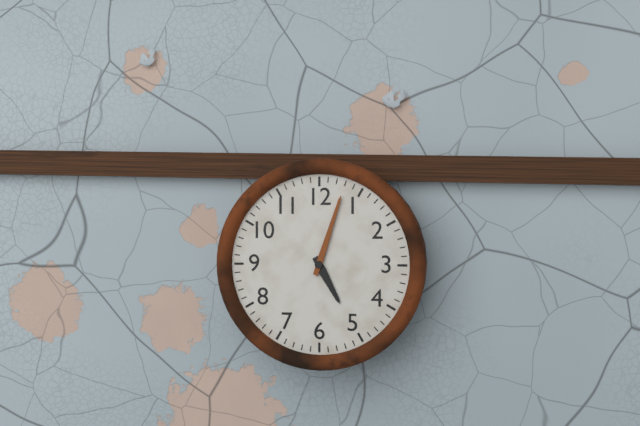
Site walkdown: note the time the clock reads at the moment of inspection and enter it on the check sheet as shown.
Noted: 5:03
